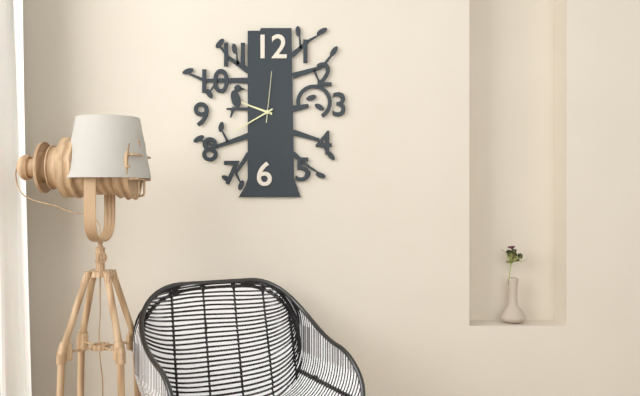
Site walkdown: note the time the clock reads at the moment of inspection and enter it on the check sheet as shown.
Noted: 9:40:01
